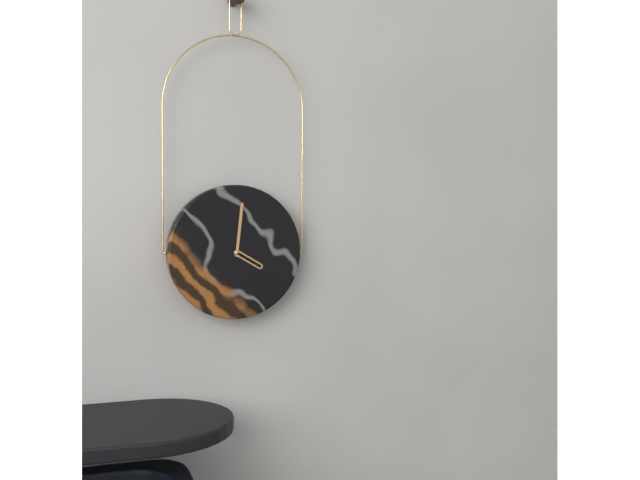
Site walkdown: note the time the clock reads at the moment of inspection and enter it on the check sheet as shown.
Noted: 4:01
